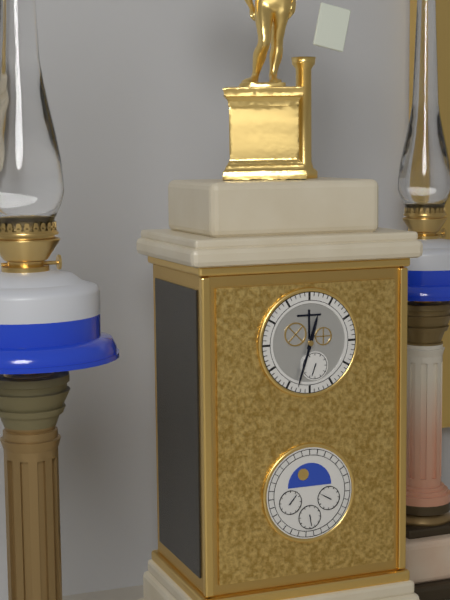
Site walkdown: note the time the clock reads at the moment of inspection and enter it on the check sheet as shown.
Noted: 12:33
